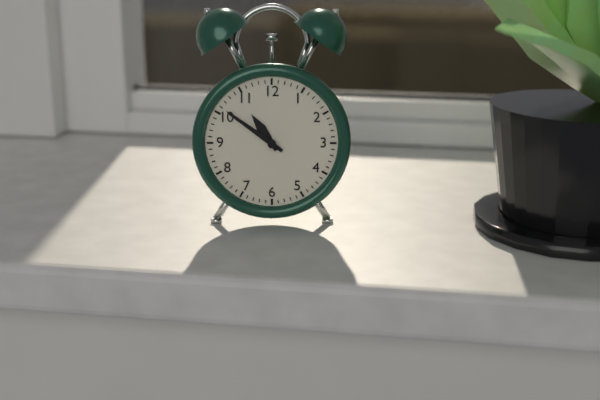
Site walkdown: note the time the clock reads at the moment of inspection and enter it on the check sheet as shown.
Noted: 10:51
